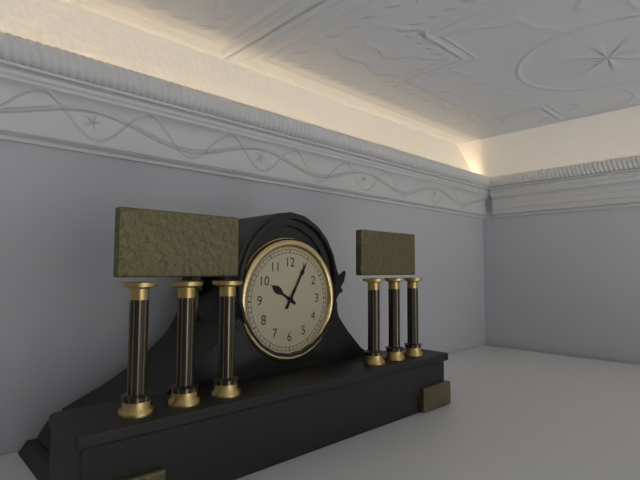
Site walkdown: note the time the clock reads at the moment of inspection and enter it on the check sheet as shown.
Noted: 10:05
